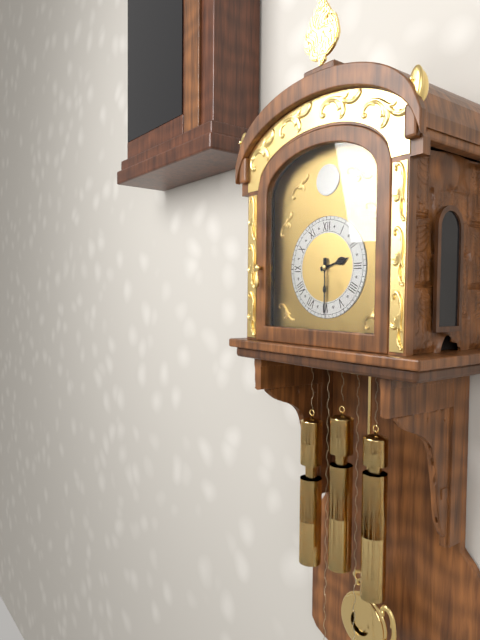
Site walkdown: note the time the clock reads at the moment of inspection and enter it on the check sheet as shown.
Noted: 2:30
